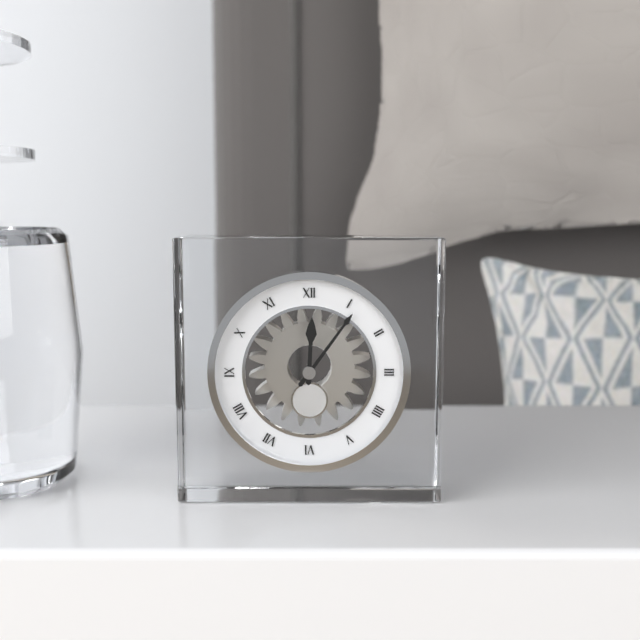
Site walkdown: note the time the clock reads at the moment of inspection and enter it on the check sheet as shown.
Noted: 12:06
